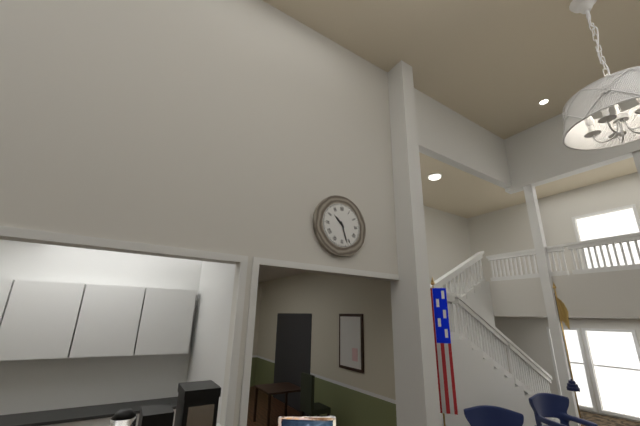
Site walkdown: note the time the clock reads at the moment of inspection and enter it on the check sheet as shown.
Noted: 10:27
